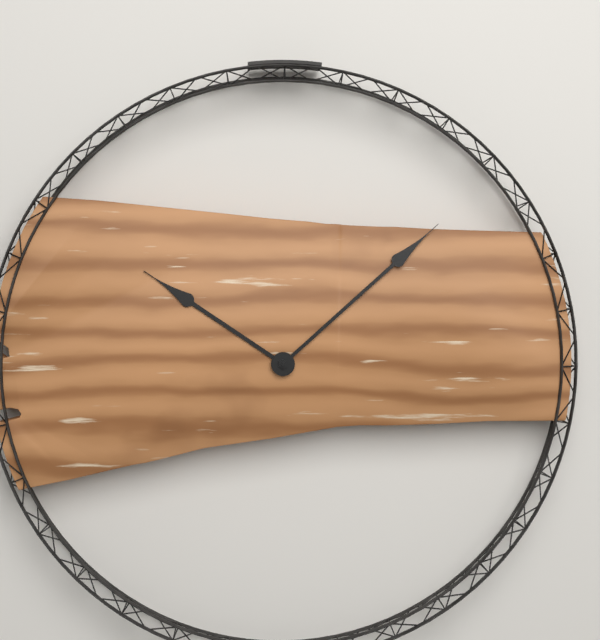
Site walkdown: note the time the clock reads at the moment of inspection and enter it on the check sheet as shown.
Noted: 10:08
